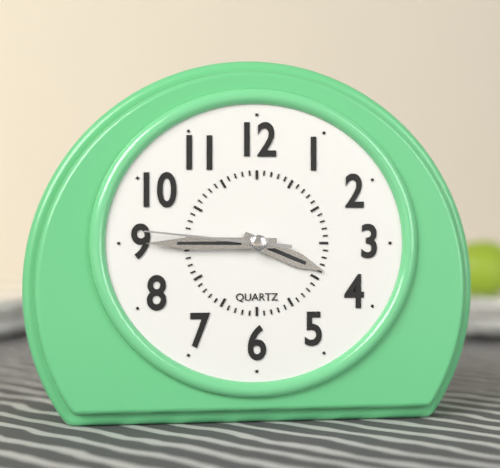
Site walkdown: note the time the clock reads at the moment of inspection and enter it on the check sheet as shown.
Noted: 3:45:46
